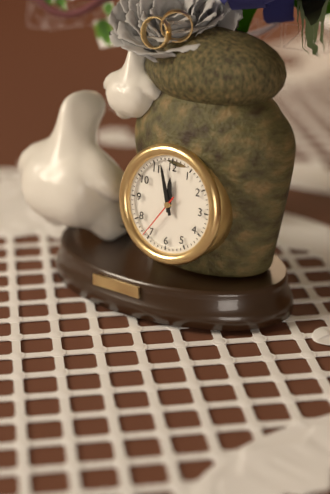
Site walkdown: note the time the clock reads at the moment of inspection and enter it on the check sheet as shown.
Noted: 11:57
